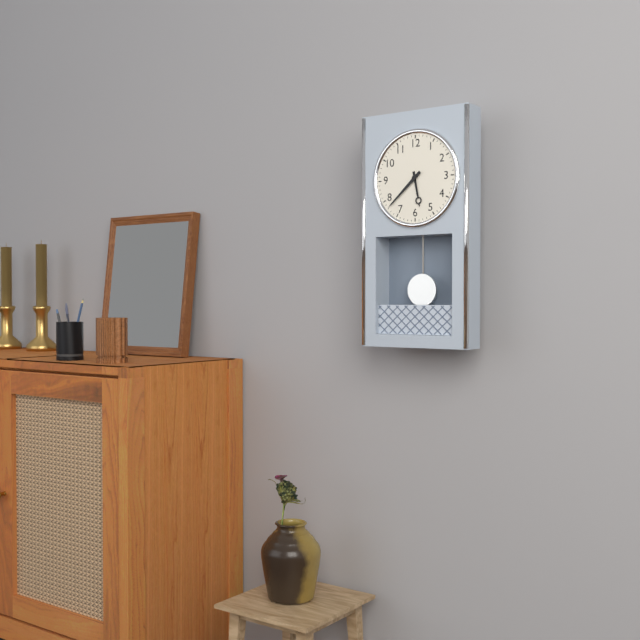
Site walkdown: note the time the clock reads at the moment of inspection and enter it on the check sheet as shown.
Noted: 5:38
